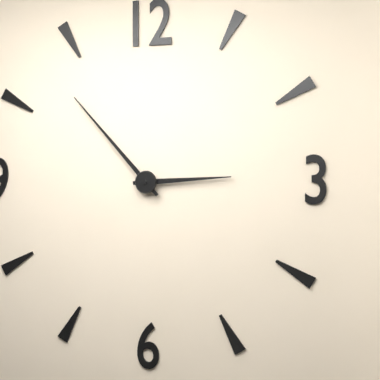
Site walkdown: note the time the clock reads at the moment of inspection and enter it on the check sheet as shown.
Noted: 2:53
